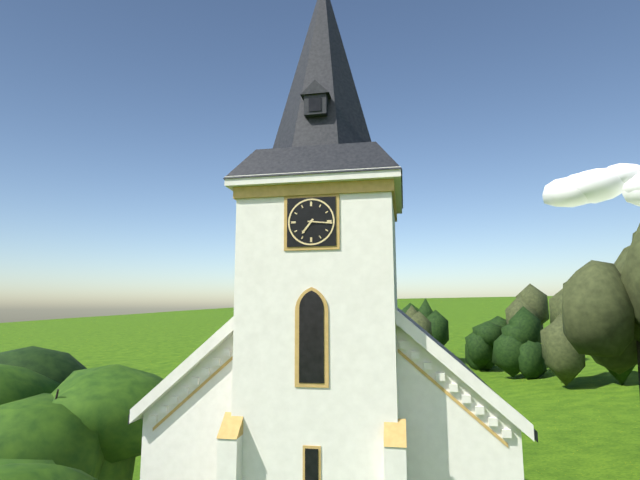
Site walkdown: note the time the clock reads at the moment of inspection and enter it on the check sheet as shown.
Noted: 7:16
